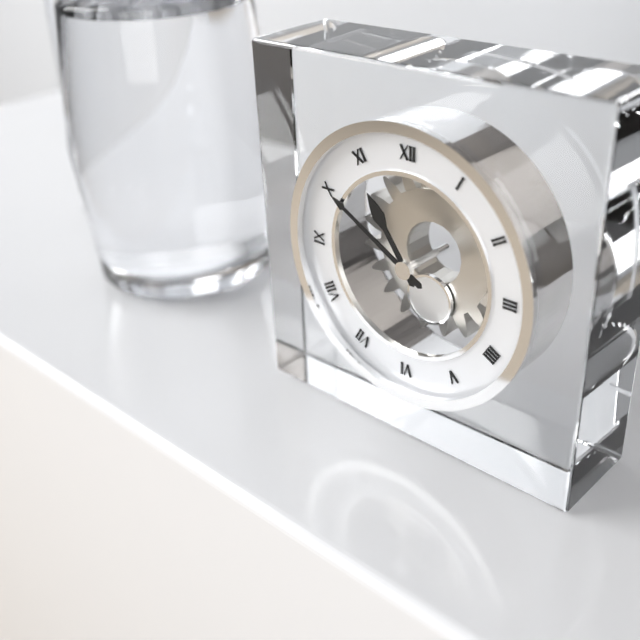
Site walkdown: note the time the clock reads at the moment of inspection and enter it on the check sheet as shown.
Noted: 10:50
